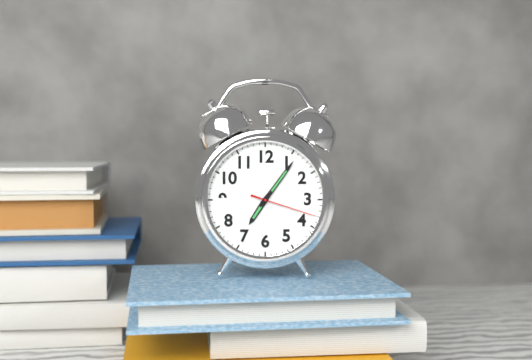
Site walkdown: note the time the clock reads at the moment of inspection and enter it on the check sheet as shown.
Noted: 7:06:18
